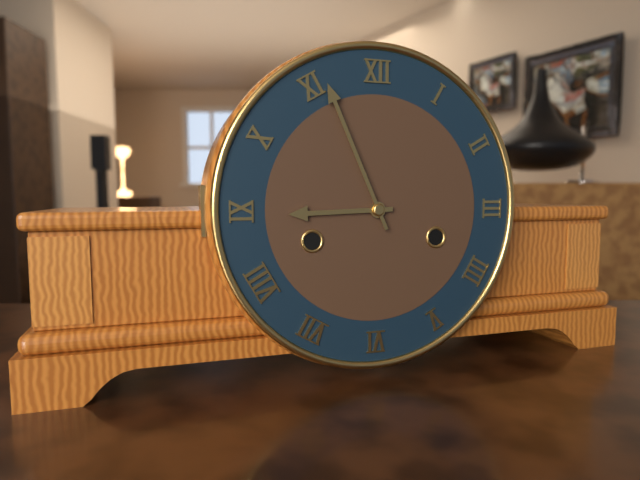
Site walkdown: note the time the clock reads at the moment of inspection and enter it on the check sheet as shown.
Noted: 8:56
